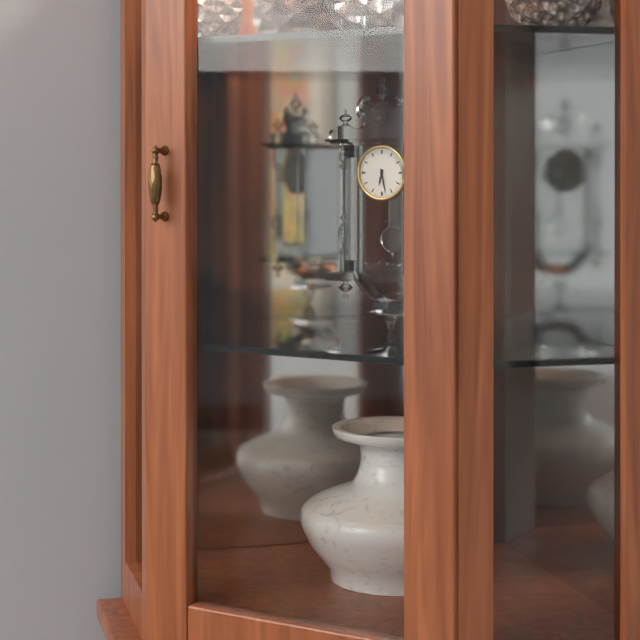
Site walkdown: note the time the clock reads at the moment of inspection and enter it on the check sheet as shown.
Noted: 6:28
